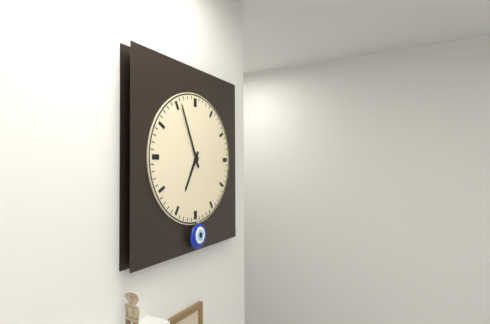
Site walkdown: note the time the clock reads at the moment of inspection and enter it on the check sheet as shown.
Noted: 6:56
